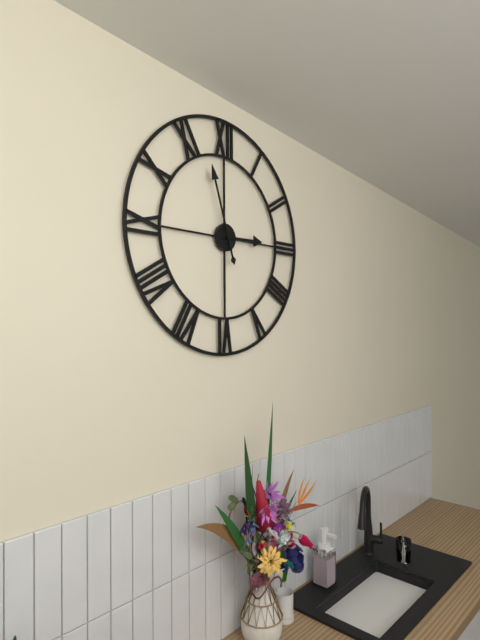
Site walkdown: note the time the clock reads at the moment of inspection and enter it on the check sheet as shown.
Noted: 2:57
